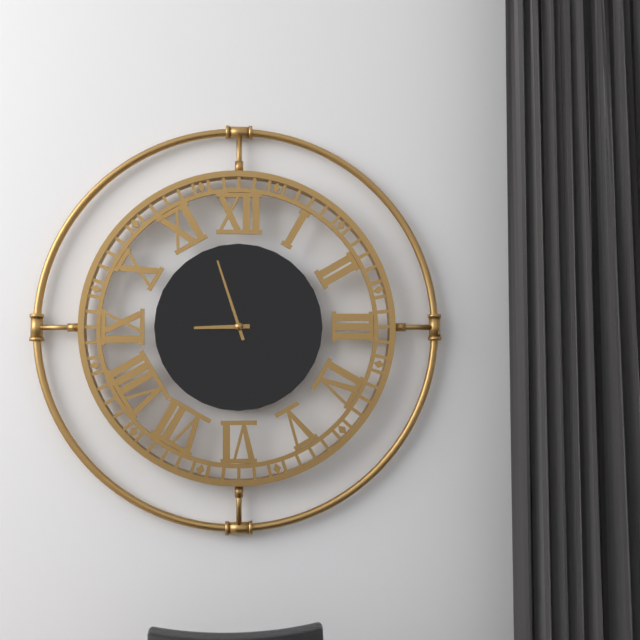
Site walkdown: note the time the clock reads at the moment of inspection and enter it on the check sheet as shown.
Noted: 8:57
